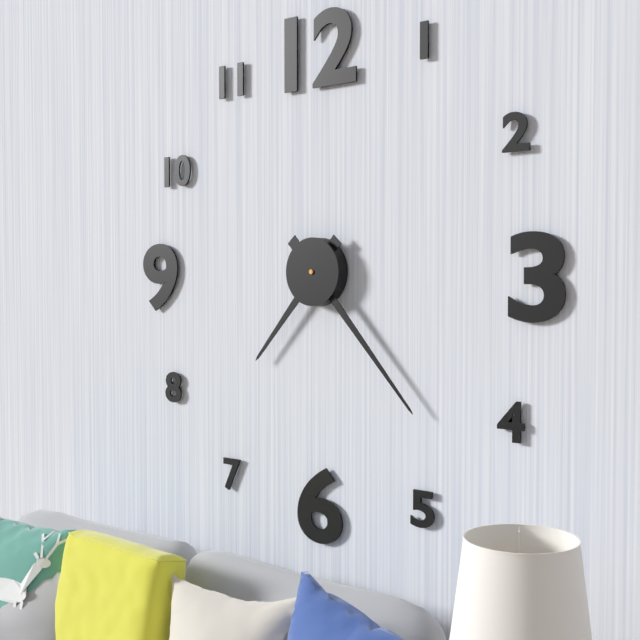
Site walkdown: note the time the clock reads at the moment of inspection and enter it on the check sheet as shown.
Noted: 7:23
